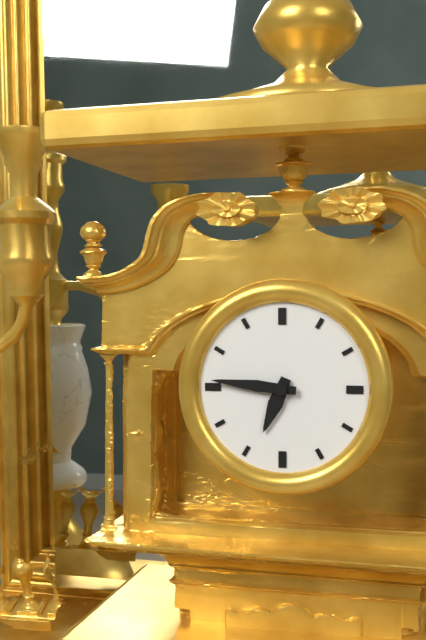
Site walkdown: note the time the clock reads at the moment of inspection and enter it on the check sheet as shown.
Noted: 6:46
